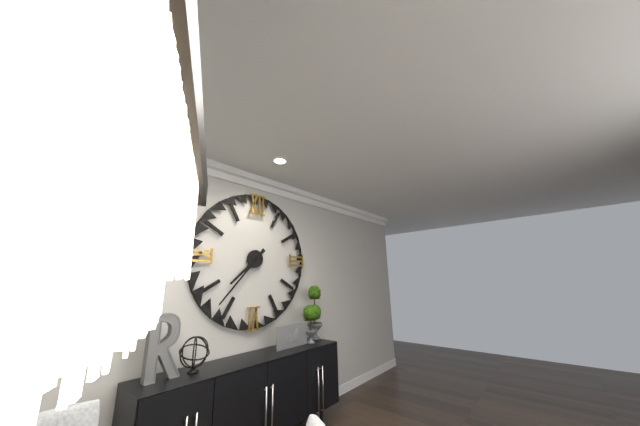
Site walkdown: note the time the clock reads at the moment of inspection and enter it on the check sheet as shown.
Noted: 7:37
